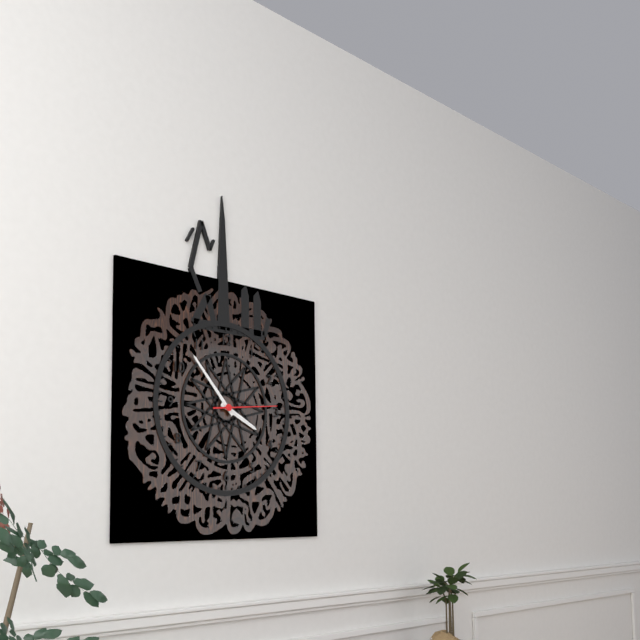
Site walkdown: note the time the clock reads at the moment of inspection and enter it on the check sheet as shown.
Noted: 3:53:14
